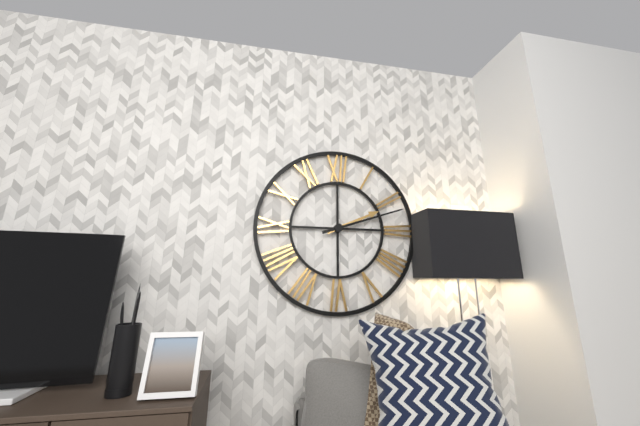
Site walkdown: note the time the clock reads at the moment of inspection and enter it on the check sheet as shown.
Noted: 2:12
